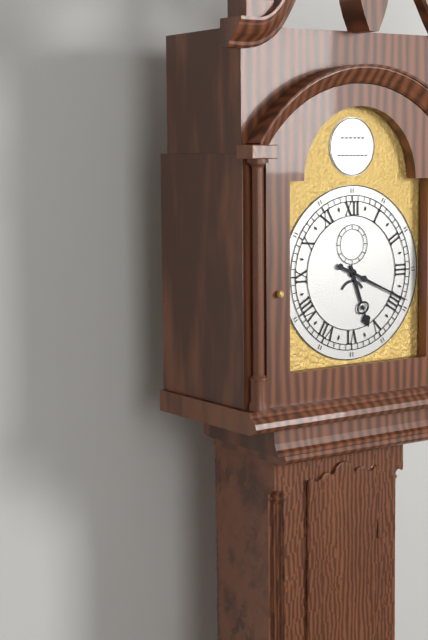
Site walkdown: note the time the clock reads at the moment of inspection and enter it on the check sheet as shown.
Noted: 5:19
